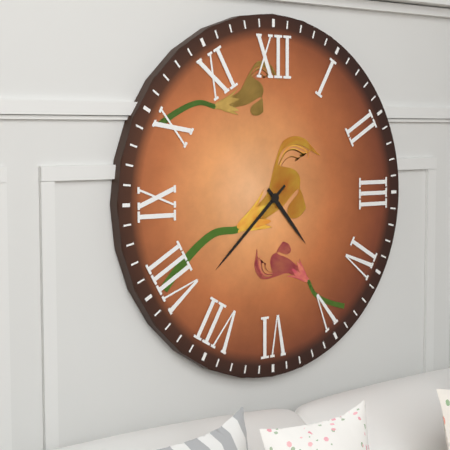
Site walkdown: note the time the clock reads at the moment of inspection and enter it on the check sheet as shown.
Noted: 4:38
